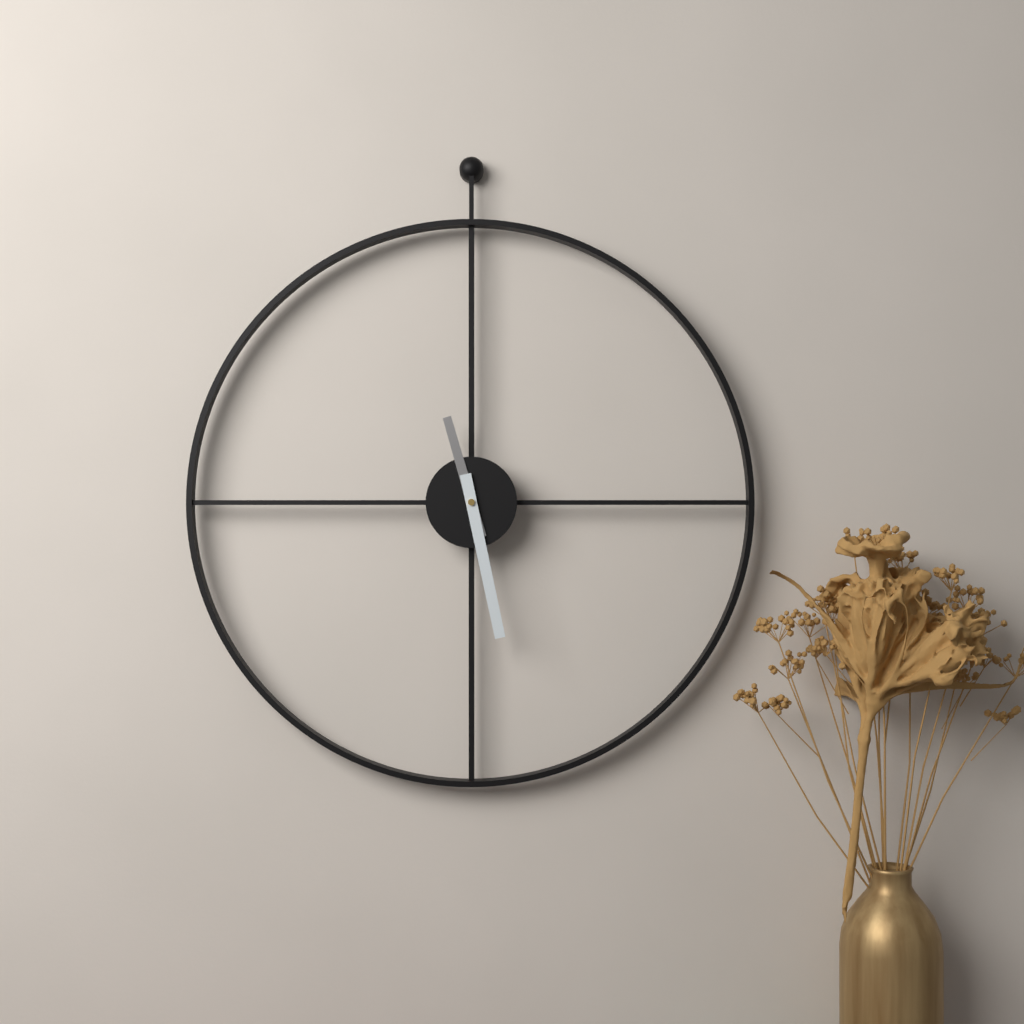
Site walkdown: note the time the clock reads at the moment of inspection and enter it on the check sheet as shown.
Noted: 11:28
